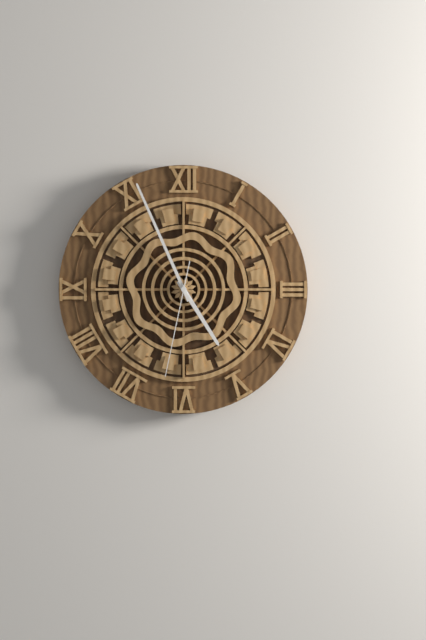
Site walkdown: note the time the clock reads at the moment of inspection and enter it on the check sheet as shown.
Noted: 4:56:32
